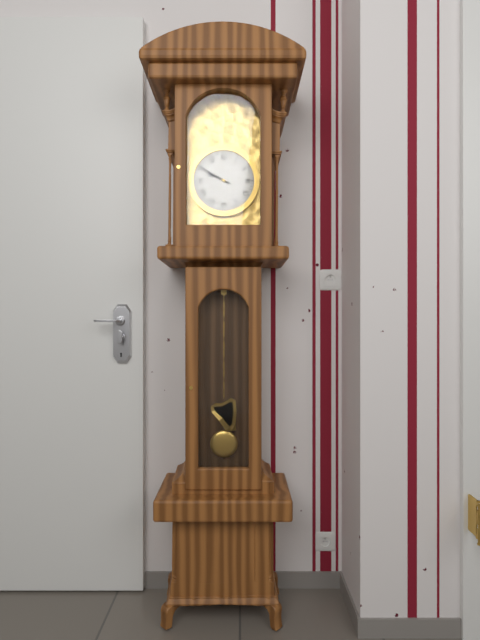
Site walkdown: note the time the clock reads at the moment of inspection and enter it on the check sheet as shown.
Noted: 9:50
